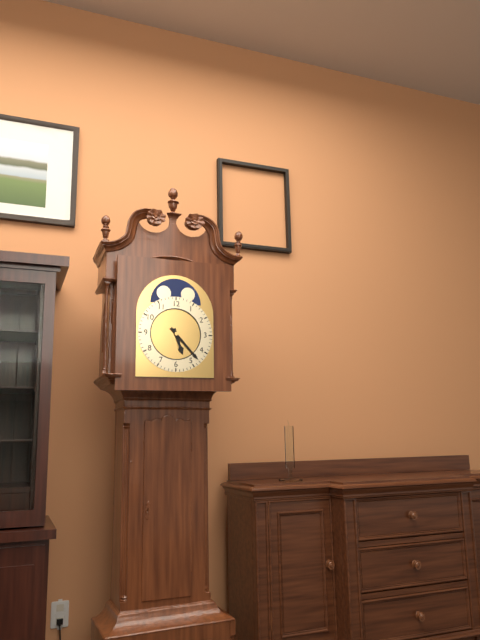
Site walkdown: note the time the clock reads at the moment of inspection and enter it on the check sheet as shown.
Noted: 5:23
